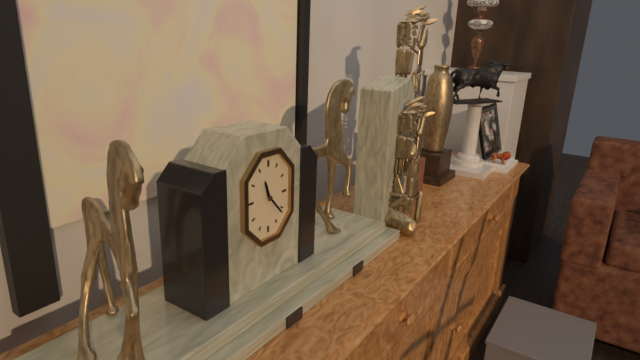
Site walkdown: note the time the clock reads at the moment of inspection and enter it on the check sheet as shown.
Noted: 11:23
